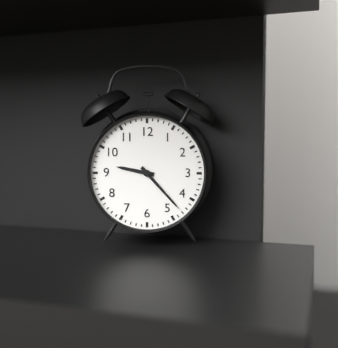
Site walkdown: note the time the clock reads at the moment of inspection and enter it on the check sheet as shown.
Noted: 9:23
